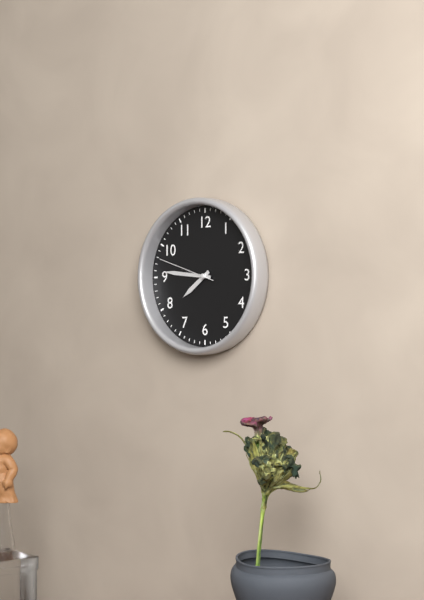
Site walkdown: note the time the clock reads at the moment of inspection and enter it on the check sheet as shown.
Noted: 7:46:48
